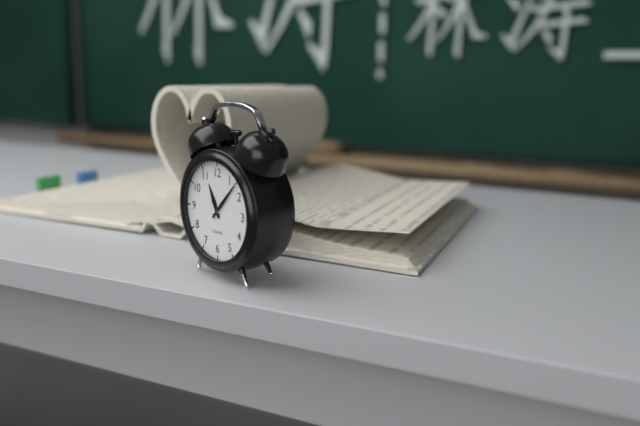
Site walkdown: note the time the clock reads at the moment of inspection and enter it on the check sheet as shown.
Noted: 11:07
